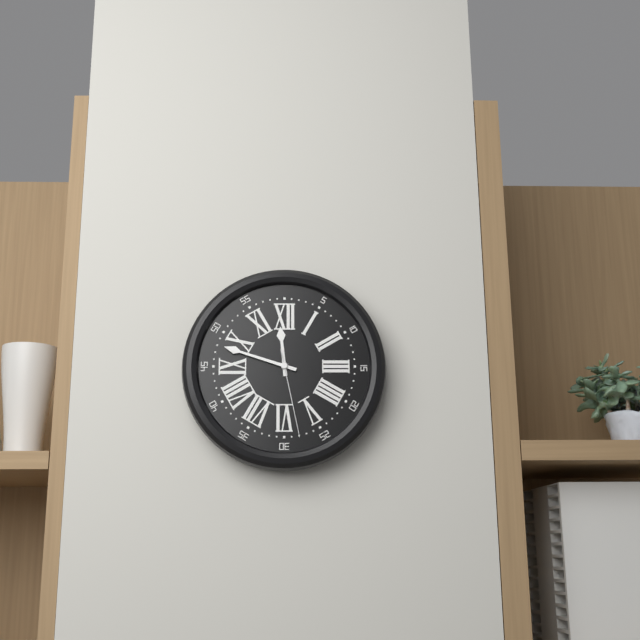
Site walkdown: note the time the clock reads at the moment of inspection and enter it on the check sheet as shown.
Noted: 11:48:28
